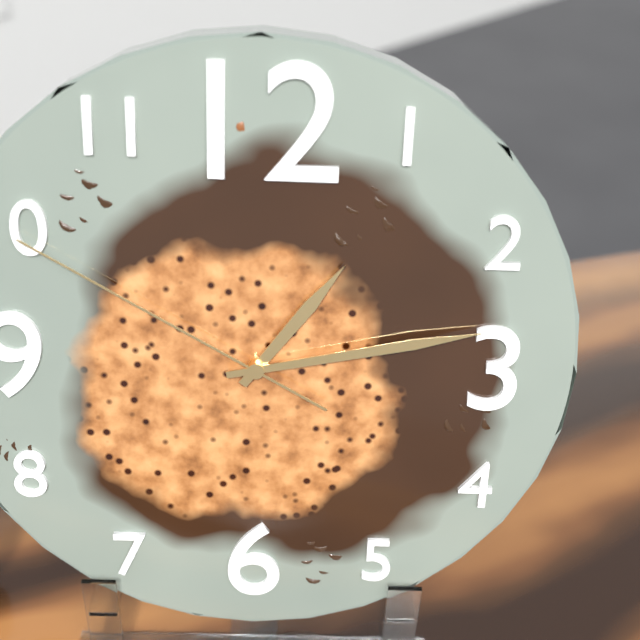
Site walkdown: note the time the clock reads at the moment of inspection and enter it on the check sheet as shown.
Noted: 1:13:50
